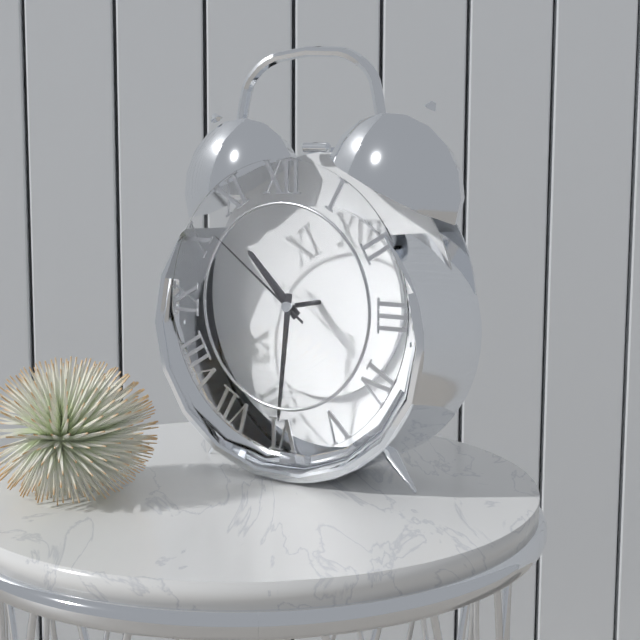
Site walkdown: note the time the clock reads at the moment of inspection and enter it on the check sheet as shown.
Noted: 10:31:51
